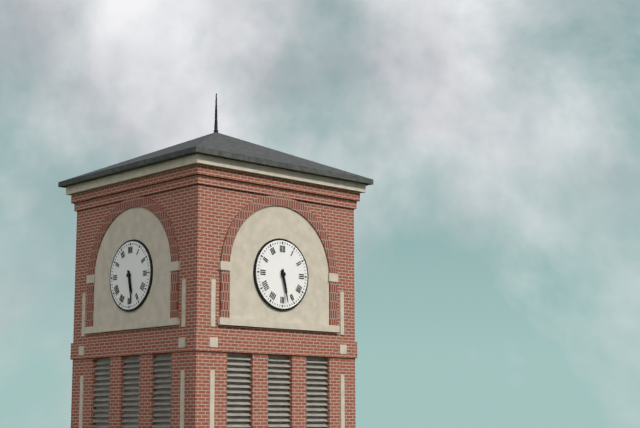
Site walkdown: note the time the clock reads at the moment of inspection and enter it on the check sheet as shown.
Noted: 5:28
